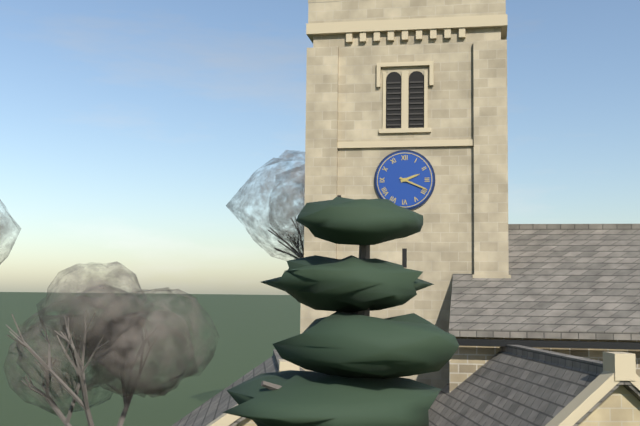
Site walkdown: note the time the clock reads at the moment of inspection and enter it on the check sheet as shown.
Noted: 2:19
